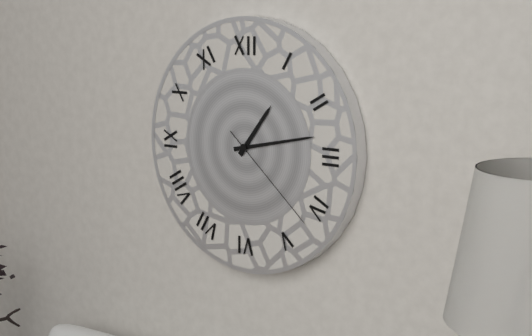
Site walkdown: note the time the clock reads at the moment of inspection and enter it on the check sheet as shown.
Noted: 1:13:22
